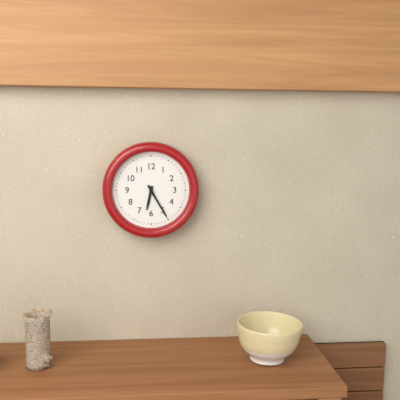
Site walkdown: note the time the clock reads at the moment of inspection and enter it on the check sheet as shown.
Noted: 6:25
